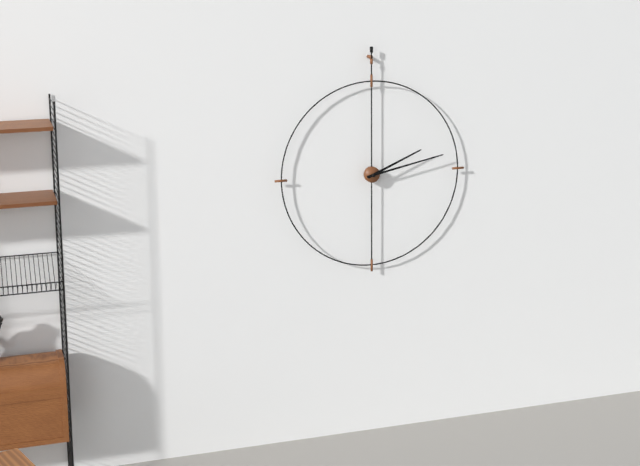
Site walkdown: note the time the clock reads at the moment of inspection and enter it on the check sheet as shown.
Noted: 2:13
